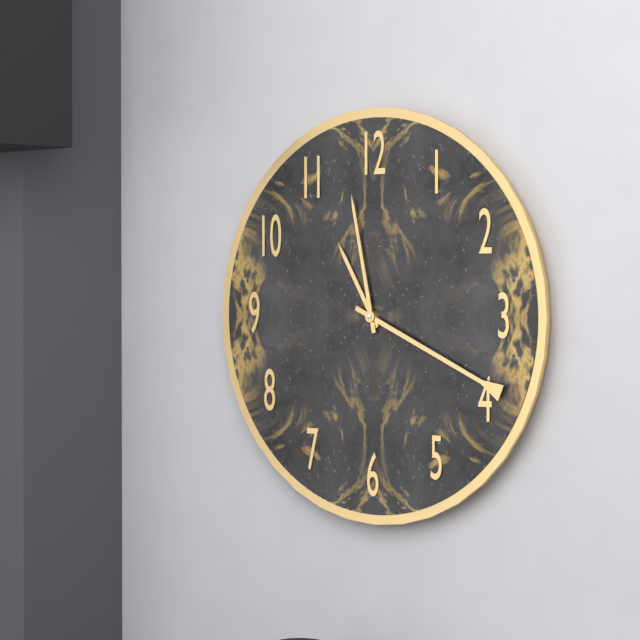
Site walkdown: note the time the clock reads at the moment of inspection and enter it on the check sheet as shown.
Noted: 10:58:19
